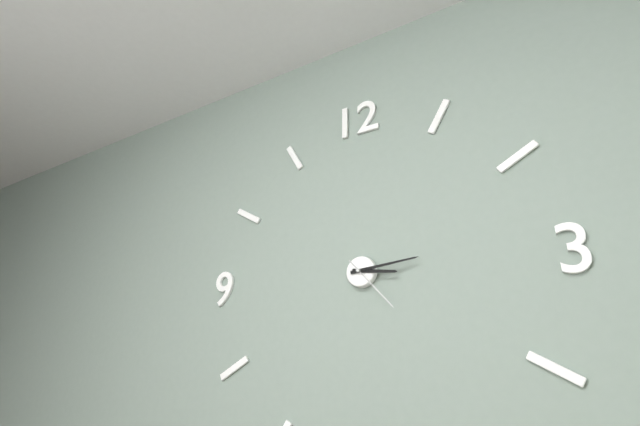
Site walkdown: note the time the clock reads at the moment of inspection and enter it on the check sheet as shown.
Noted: 3:14:23
